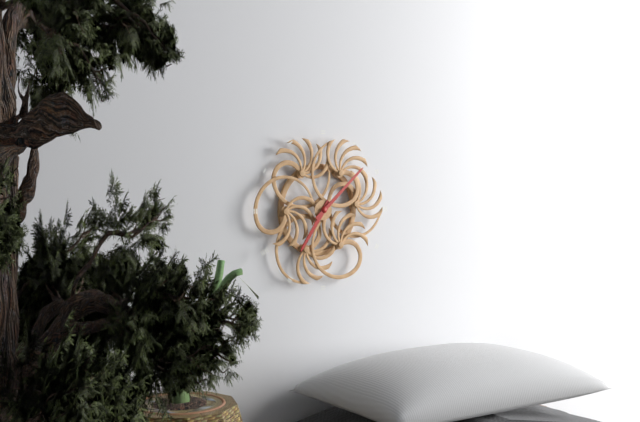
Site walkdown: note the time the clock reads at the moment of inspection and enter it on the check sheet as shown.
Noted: 7:08
